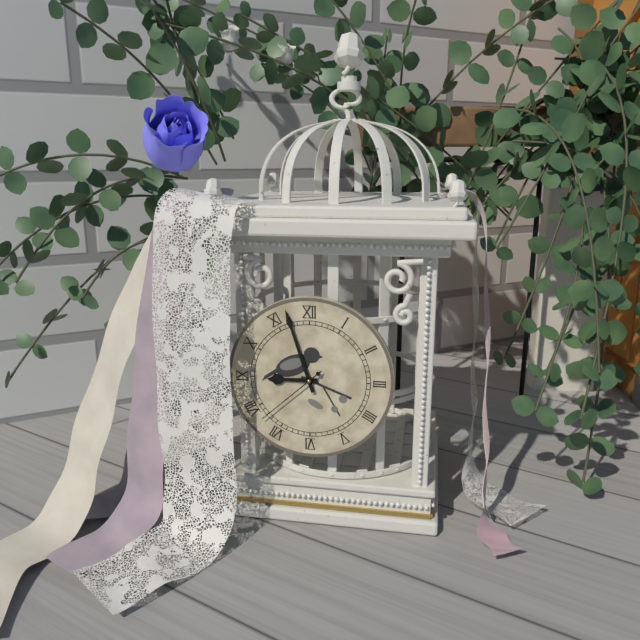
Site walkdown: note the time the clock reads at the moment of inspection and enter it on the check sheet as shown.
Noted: 8:57:38
